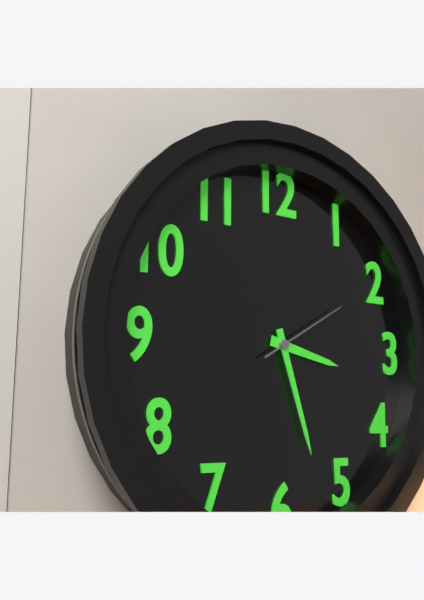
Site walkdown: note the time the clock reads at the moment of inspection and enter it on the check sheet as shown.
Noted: 3:27:10
